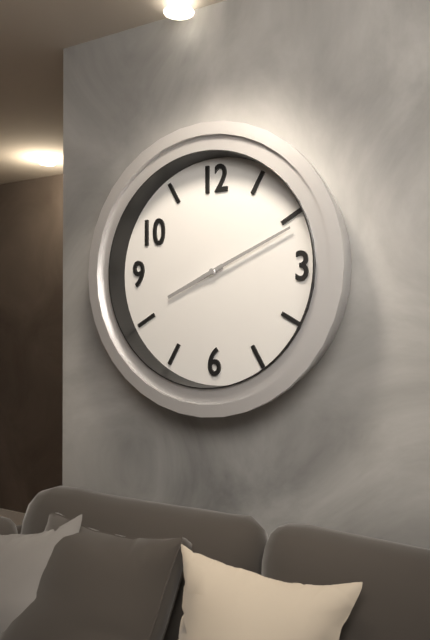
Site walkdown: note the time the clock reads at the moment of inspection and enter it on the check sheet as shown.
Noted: 8:11
